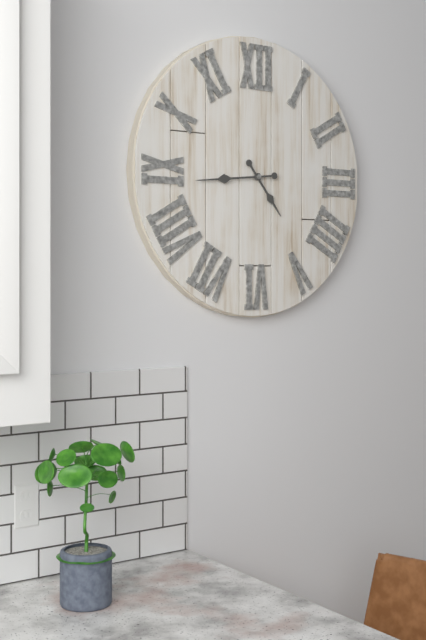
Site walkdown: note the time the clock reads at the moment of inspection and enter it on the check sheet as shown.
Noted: 4:44
